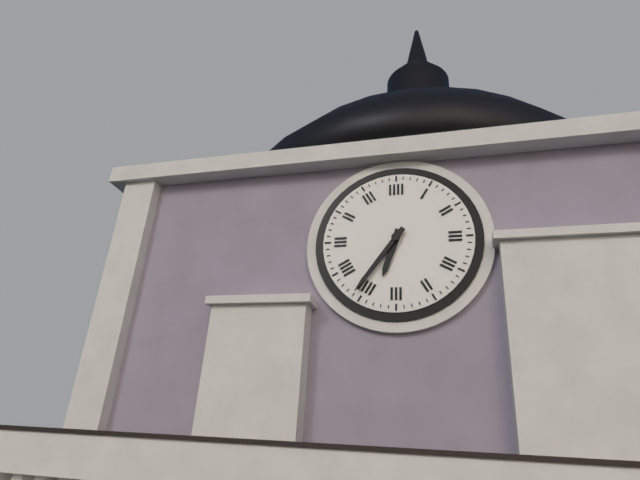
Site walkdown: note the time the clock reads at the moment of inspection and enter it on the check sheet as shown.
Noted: 6:36
